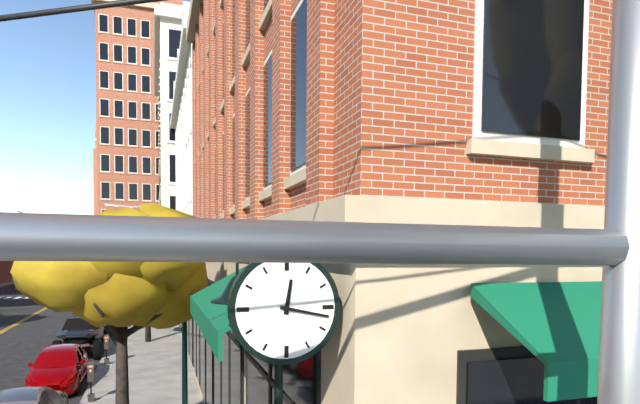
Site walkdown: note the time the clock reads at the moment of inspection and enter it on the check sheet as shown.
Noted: 12:17
